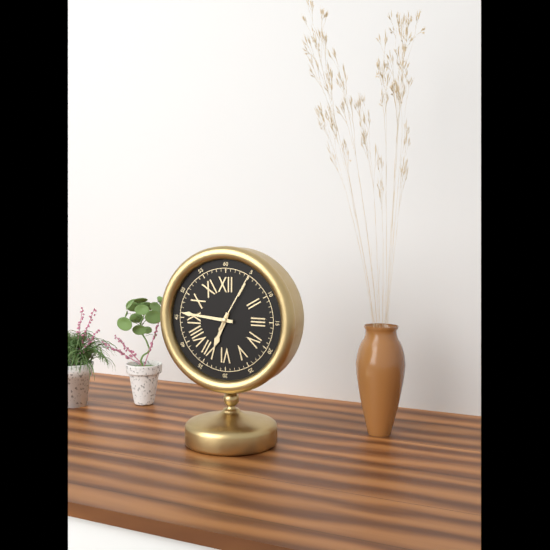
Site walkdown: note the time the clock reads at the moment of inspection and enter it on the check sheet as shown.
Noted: 6:46:05
